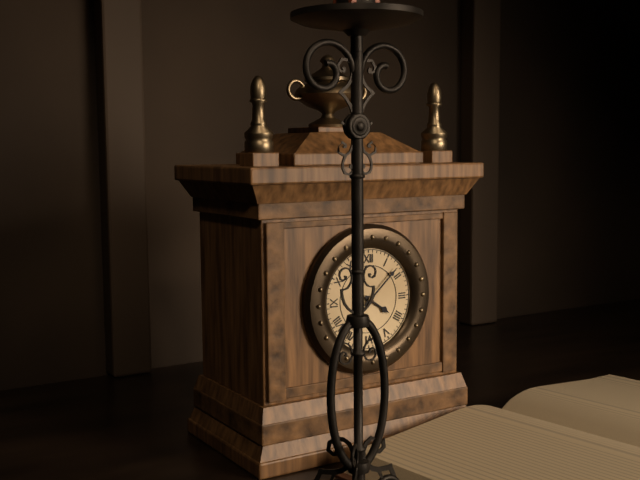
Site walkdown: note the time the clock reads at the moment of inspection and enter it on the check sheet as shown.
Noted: 4:08
